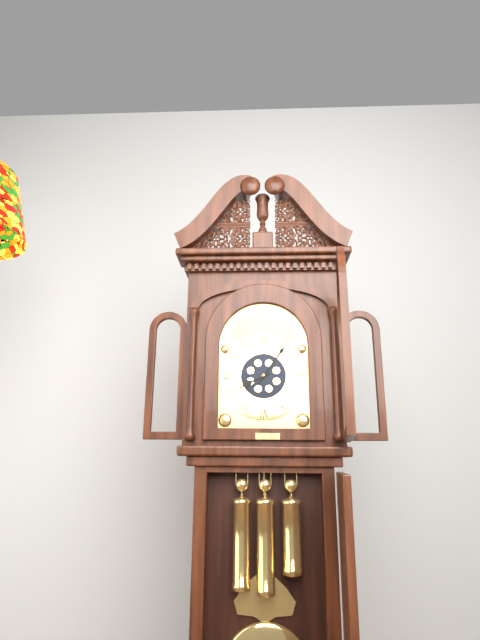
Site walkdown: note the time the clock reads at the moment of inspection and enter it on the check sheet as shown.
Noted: 8:06
